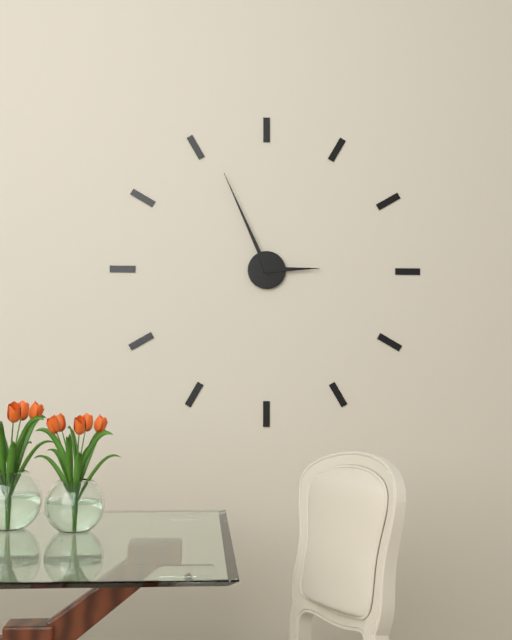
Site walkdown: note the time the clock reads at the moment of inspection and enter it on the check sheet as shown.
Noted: 2:56
